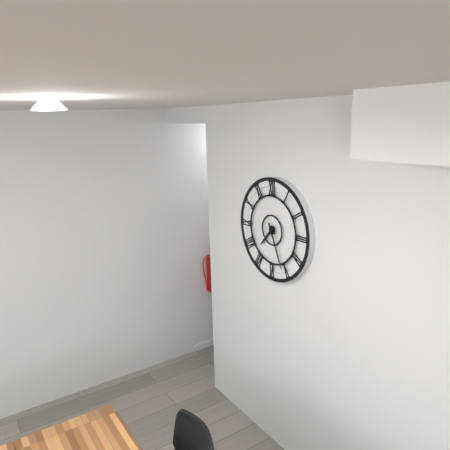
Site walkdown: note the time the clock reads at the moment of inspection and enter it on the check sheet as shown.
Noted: 7:26
